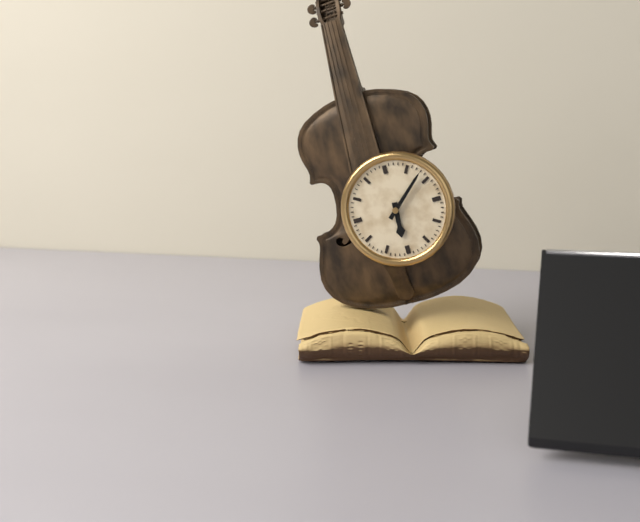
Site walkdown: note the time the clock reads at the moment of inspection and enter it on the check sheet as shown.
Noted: 6:08
